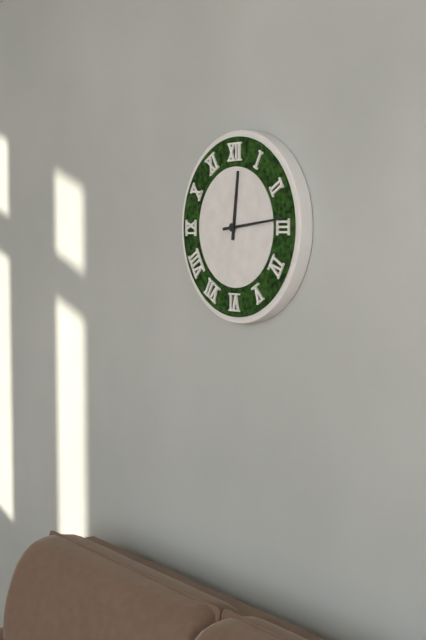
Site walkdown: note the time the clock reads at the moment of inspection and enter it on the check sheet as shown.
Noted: 12:14
